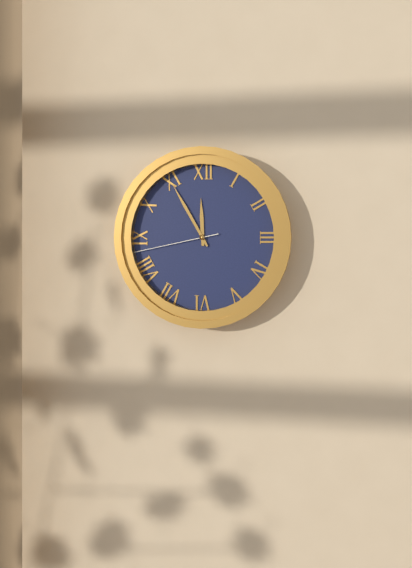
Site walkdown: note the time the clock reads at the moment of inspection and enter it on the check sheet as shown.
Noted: 11:55:43
